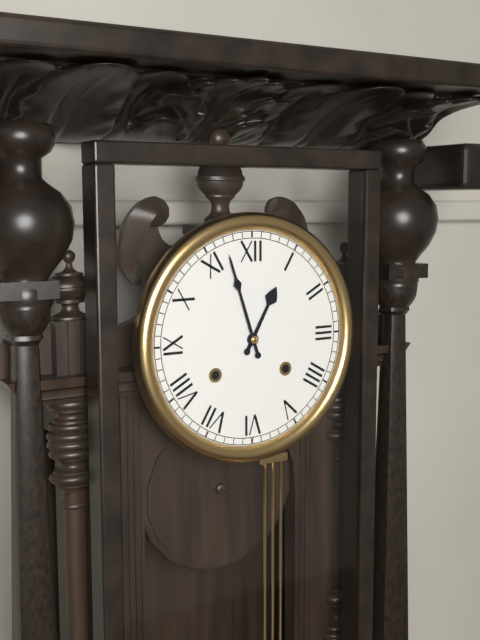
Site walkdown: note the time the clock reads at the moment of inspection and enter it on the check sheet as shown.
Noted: 12:57
